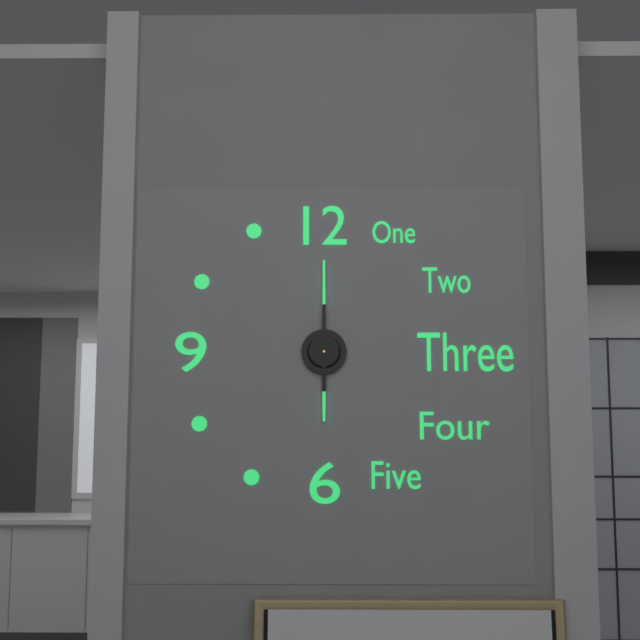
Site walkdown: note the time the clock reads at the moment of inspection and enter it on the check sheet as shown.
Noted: 6:00
